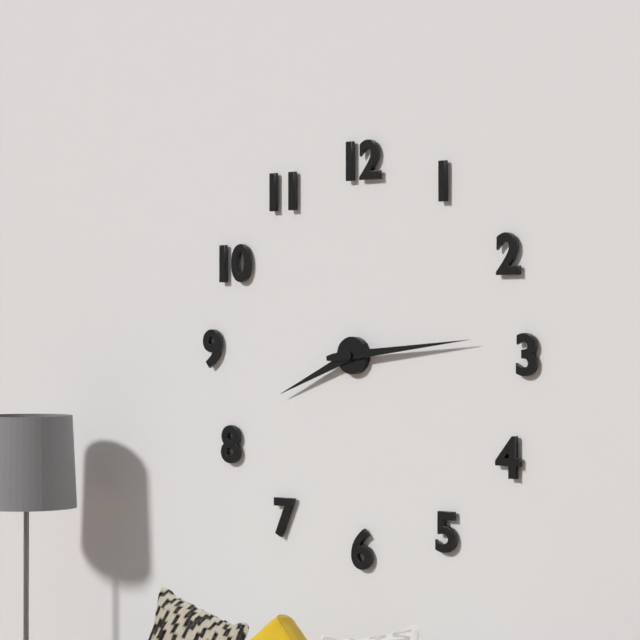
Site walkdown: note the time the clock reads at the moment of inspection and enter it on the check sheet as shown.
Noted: 8:14
